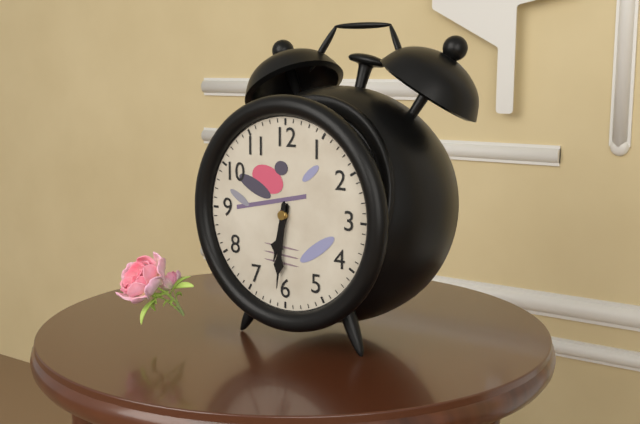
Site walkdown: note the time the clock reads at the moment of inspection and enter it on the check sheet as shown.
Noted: 6:31
